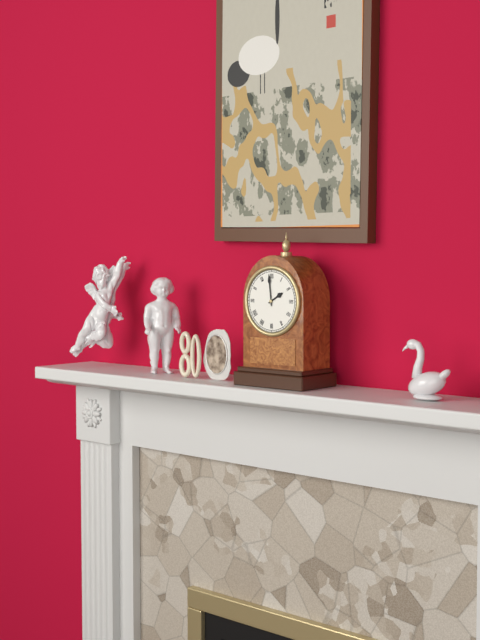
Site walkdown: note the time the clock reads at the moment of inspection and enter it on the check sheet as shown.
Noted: 1:59
